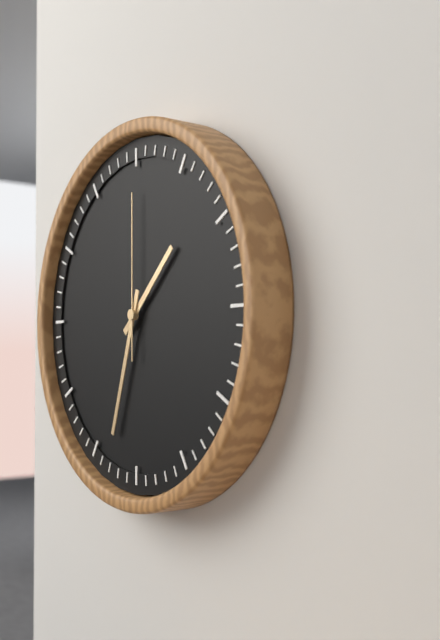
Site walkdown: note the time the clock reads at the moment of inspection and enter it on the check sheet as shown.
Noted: 1:33:00
